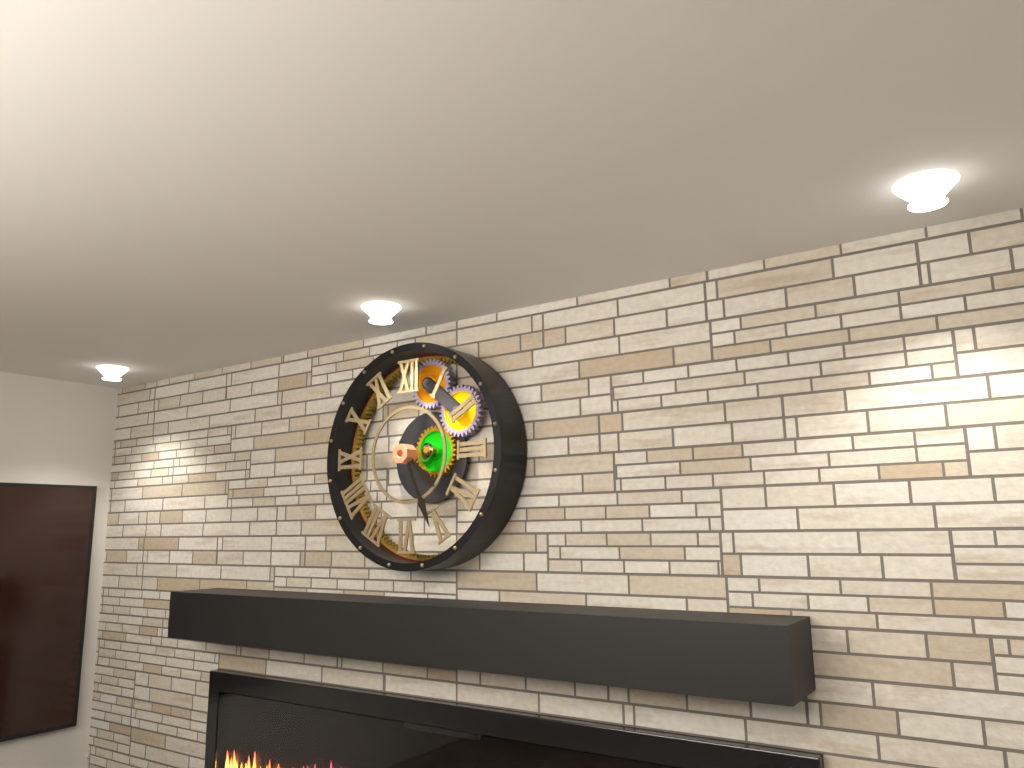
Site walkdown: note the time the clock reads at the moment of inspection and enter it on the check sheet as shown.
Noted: 4:26
